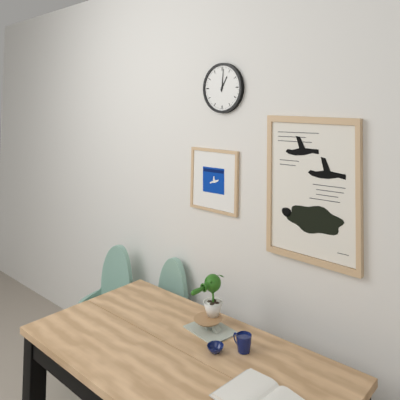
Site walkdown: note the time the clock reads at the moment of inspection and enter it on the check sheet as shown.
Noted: 1:01
